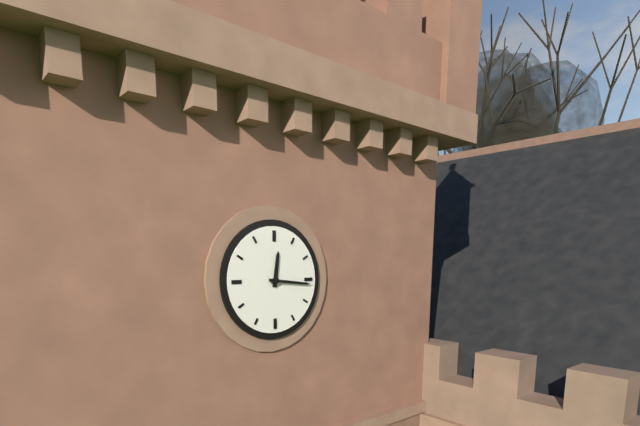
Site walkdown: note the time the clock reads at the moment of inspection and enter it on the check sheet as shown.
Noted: 12:16
